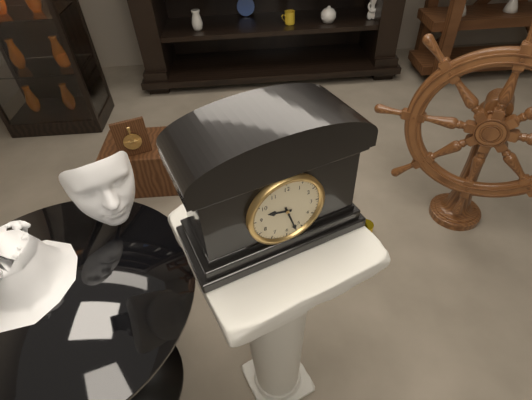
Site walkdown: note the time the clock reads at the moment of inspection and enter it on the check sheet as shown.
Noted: 9:27
